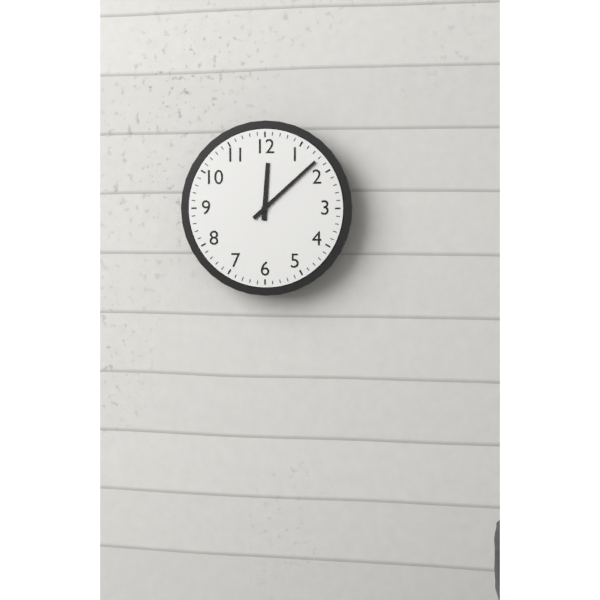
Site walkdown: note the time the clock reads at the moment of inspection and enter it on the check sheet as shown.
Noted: 12:08
